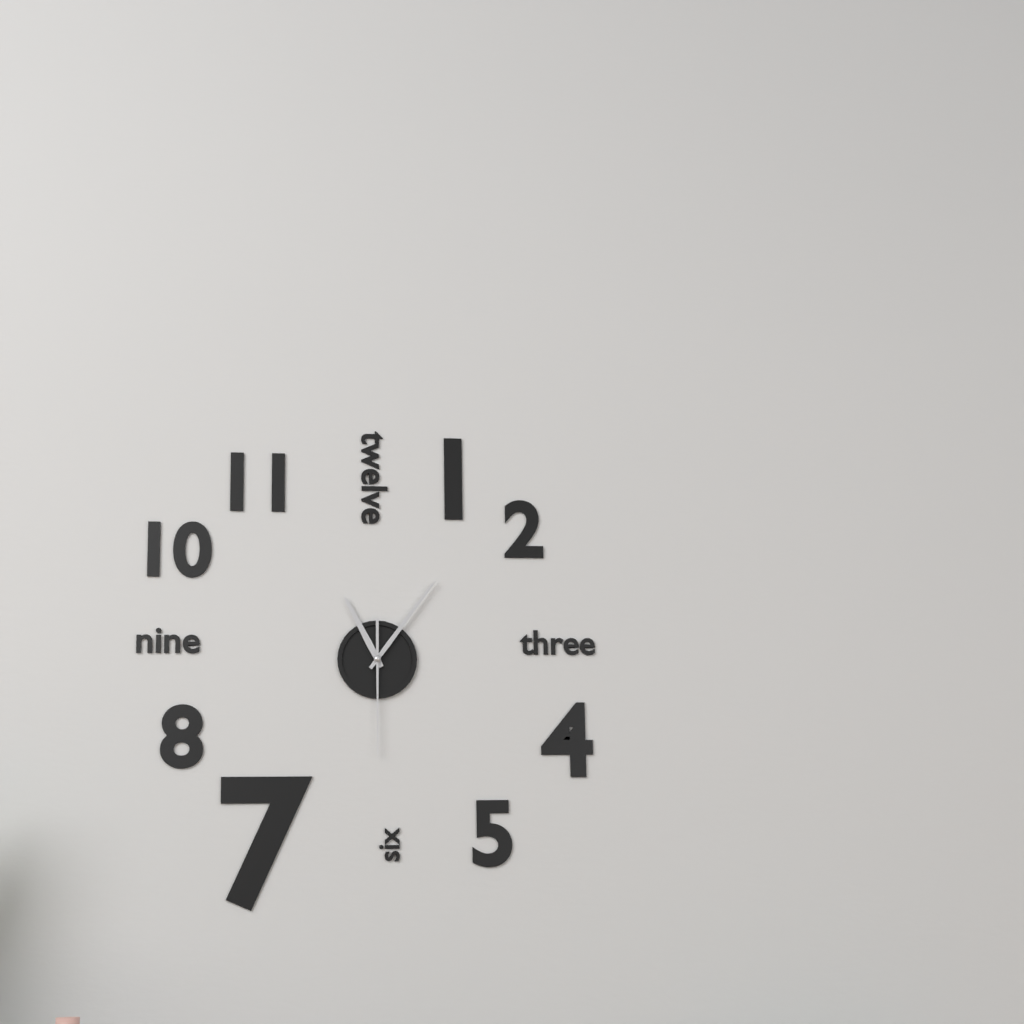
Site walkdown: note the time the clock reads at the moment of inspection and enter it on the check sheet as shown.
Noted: 11:06:30
